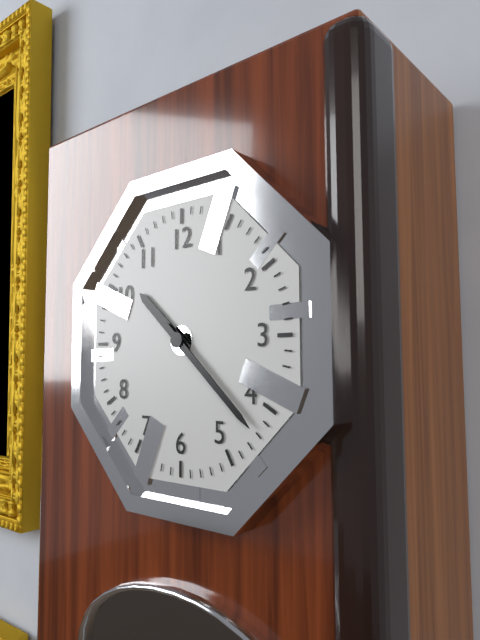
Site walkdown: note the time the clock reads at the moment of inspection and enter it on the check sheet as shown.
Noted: 10:22
